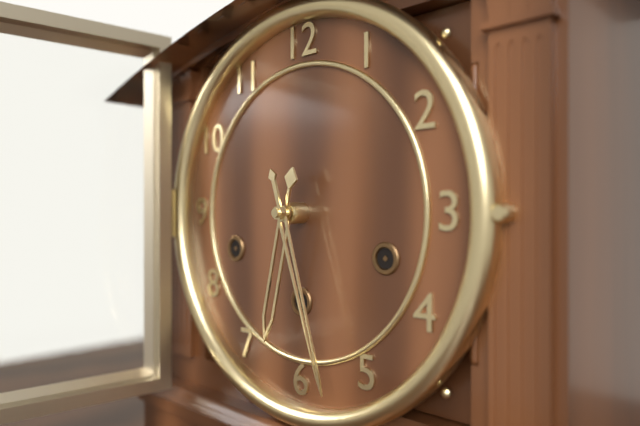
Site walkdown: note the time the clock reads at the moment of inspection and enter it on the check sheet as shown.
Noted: 6:27
